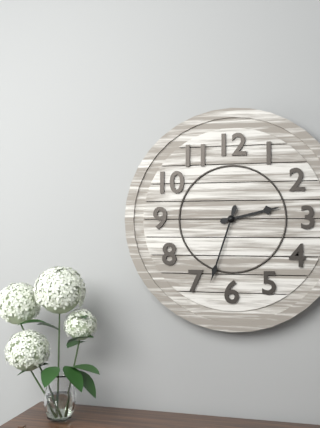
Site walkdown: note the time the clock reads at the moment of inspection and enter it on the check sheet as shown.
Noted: 2:33
